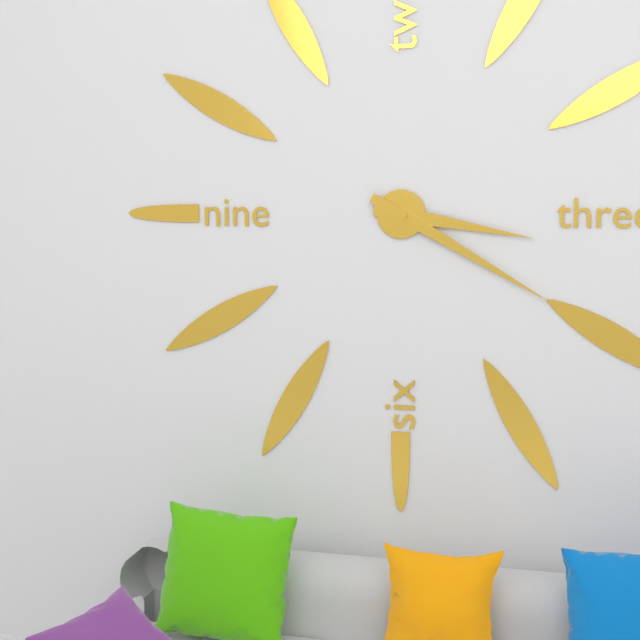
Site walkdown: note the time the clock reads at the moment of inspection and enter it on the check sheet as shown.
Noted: 3:20
